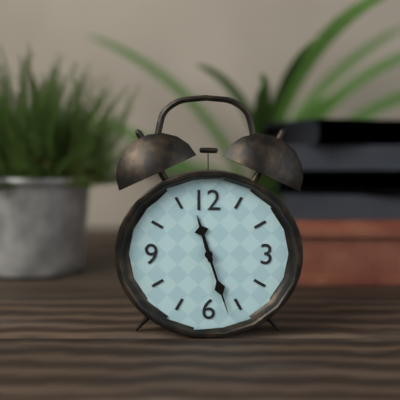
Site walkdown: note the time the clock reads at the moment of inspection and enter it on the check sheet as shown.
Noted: 11:27
